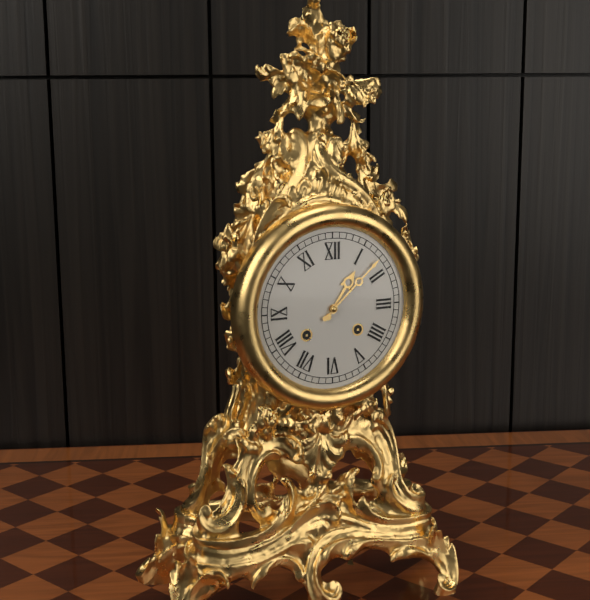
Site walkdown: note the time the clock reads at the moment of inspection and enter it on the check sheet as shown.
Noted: 1:08
